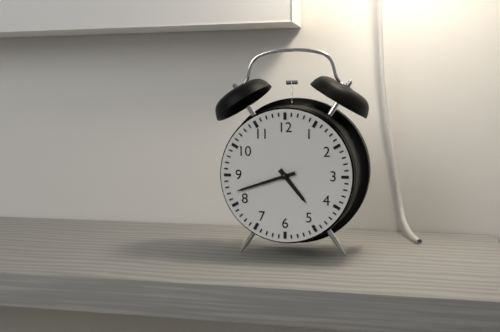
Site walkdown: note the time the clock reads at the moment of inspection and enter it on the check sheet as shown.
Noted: 4:42
